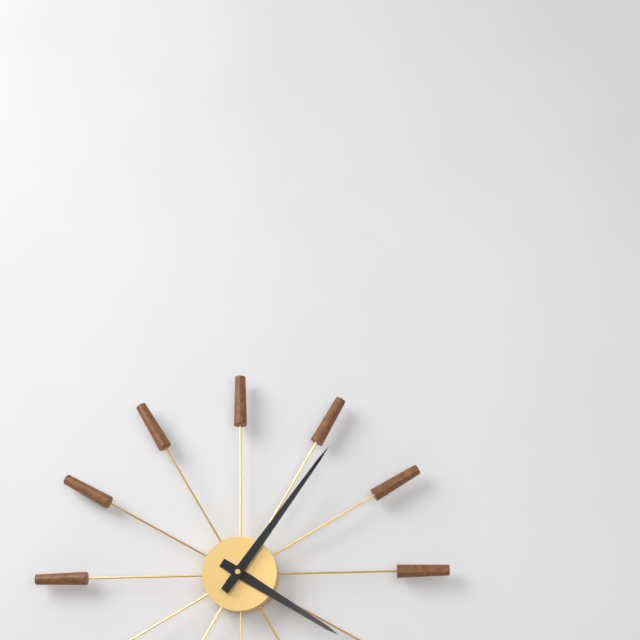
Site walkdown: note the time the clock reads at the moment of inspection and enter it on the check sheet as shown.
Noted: 4:06
